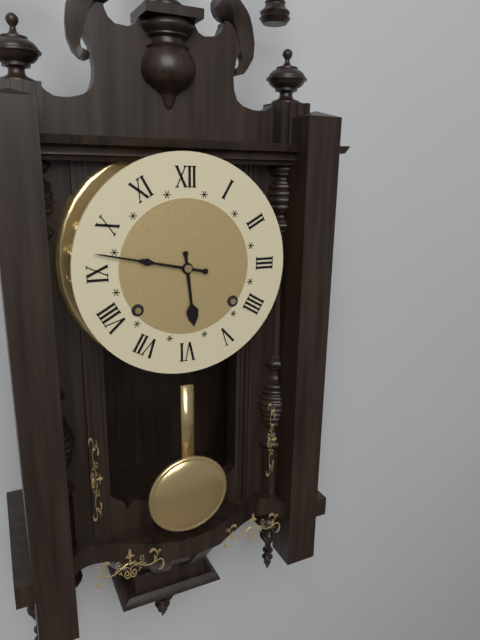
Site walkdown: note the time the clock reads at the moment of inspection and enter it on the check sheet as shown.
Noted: 5:47
